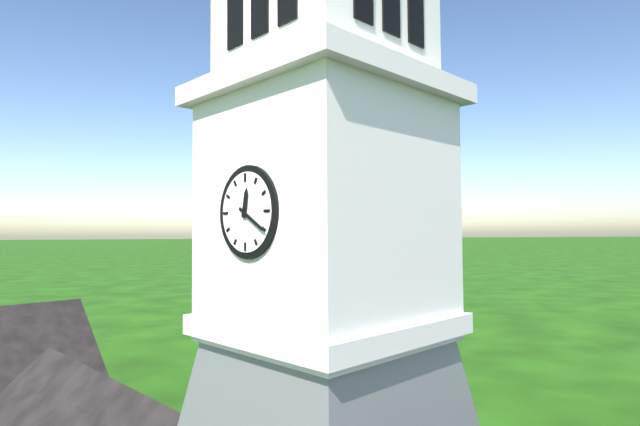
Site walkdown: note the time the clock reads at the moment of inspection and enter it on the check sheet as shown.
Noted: 12:20
